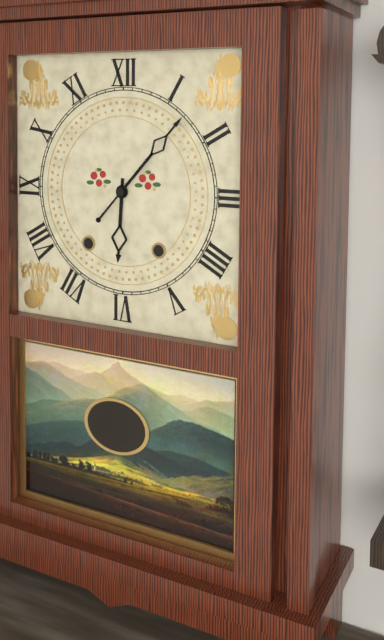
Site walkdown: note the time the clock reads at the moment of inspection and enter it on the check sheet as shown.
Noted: 6:07
